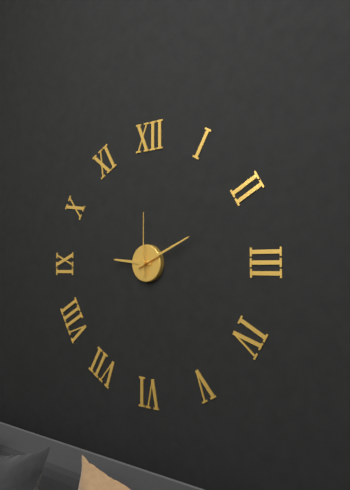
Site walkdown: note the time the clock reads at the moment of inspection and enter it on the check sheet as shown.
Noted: 9:11:00
